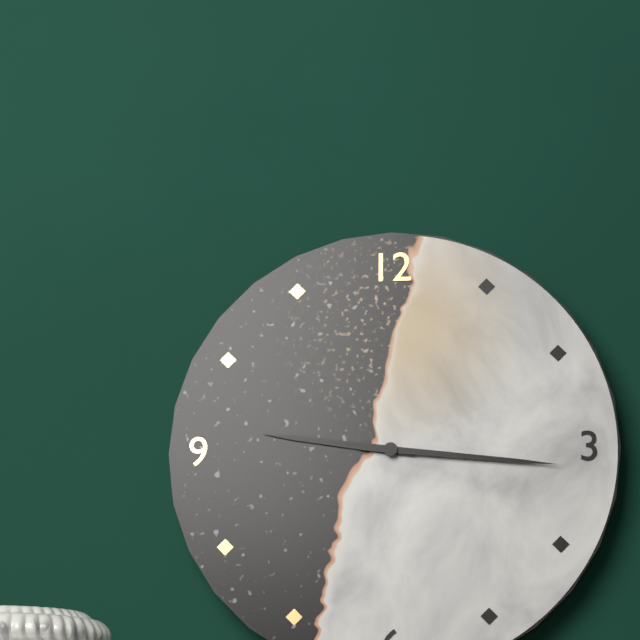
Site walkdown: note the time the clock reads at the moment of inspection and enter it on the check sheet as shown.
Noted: 9:16
